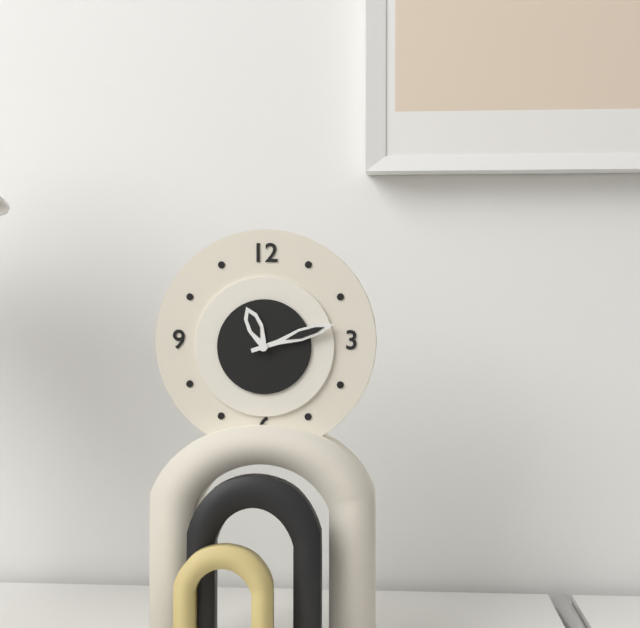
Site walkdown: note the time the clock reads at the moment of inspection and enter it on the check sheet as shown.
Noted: 11:12
